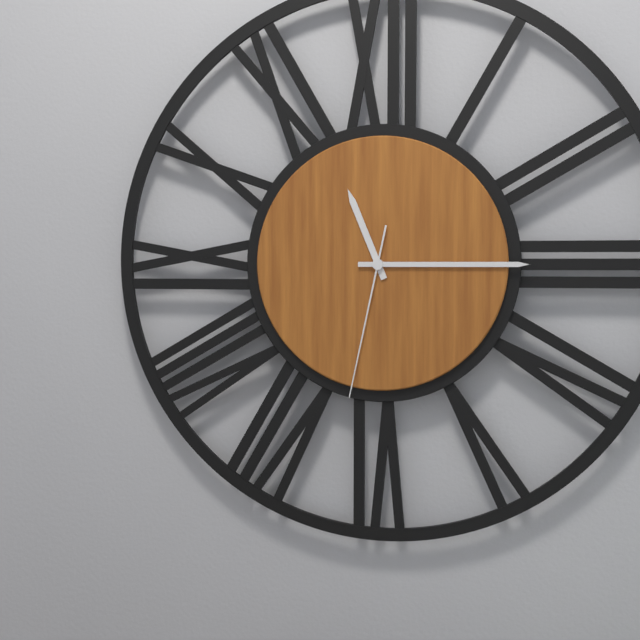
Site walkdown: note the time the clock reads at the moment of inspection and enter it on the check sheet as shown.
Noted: 11:15:32
